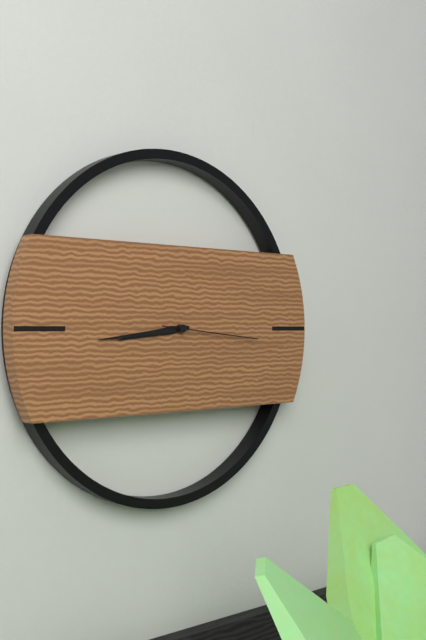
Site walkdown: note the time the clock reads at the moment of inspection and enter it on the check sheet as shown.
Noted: 8:44:16
